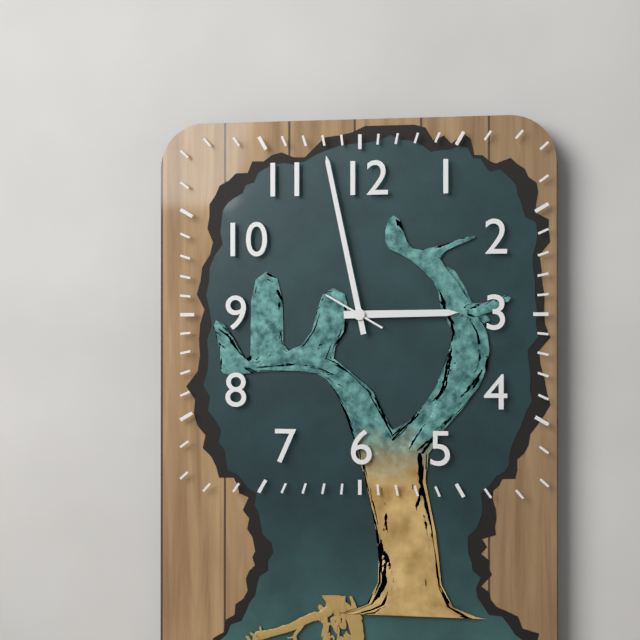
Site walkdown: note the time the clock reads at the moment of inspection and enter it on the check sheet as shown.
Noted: 2:58:50
